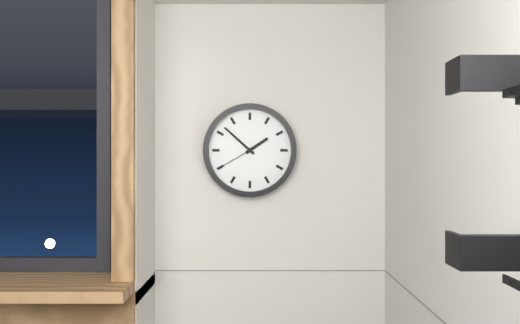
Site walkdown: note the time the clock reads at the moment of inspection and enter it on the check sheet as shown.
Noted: 1:52
